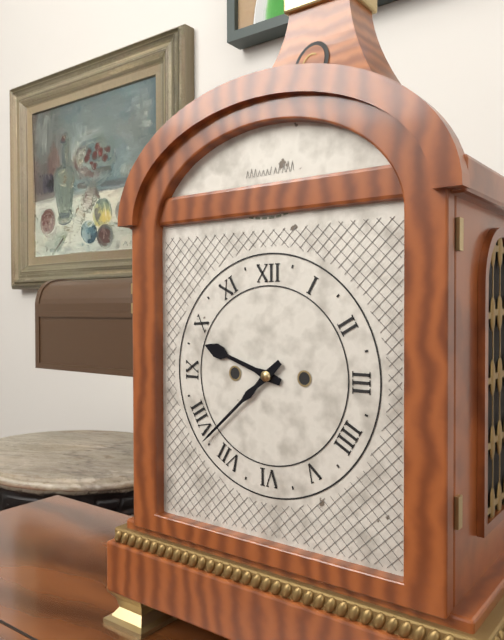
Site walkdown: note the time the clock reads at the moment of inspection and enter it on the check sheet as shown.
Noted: 9:38
